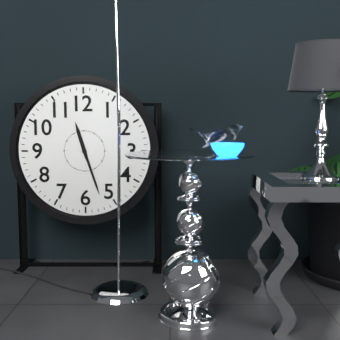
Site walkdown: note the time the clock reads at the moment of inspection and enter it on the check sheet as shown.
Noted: 11:27
